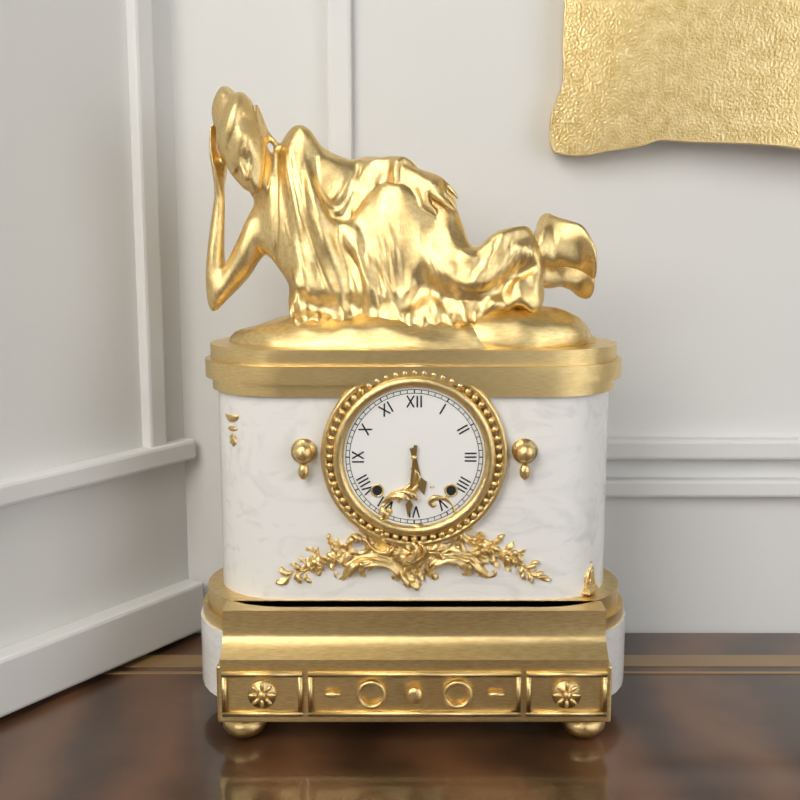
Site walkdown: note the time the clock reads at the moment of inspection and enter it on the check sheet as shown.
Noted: 5:31
